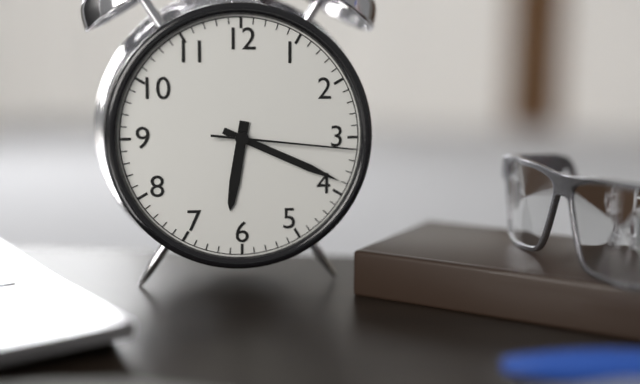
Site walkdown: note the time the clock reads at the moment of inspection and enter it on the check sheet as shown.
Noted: 6:19:16
